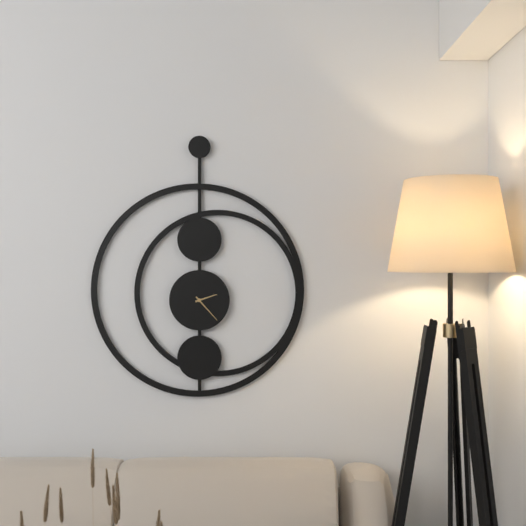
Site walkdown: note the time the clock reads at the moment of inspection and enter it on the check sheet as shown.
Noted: 2:23
